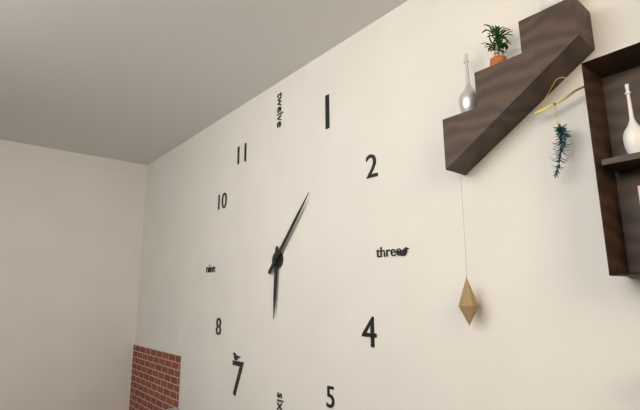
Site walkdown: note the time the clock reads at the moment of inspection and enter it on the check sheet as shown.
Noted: 6:07
